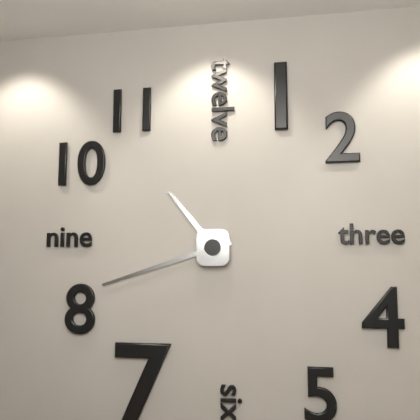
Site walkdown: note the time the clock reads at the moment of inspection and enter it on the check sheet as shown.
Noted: 10:42
